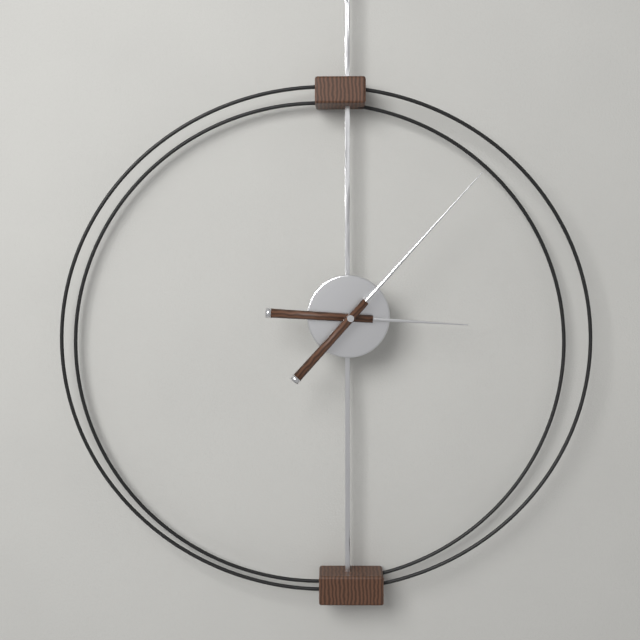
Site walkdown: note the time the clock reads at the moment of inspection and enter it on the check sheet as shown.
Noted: 3:07
